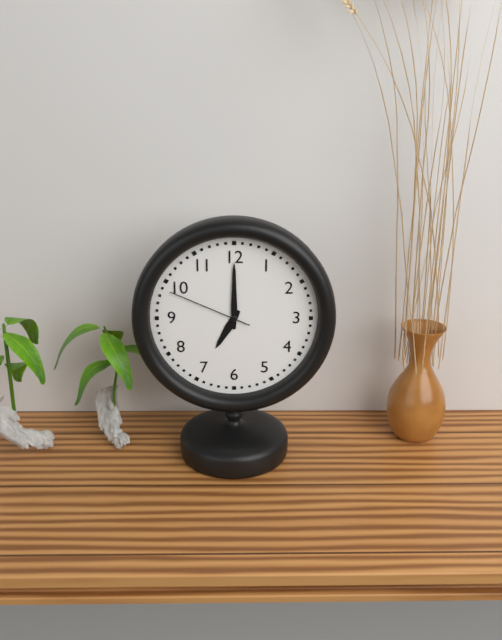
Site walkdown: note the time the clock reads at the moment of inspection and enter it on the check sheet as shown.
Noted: 7:00:49
